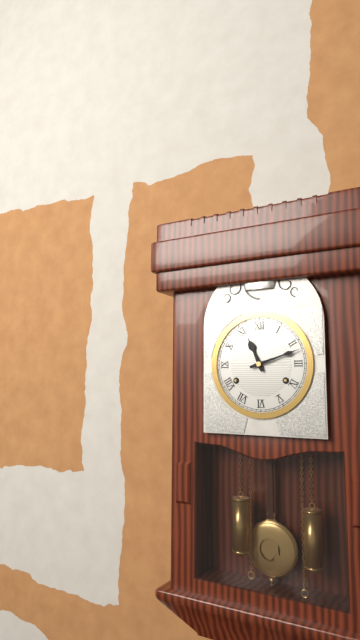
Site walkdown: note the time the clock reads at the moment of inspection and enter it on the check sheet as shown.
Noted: 11:12
